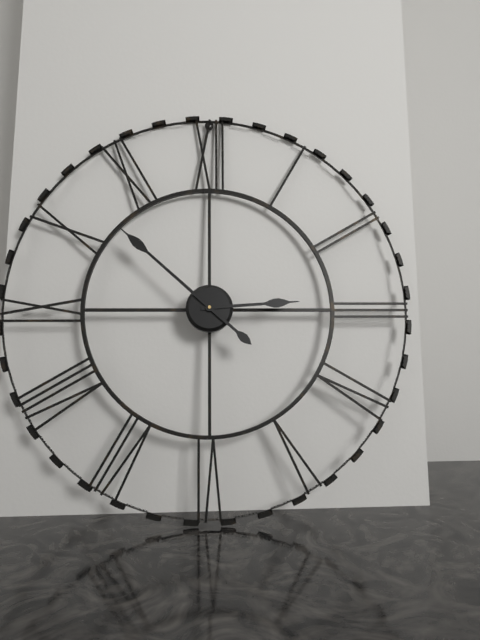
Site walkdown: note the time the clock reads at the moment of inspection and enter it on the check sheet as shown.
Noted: 2:52
